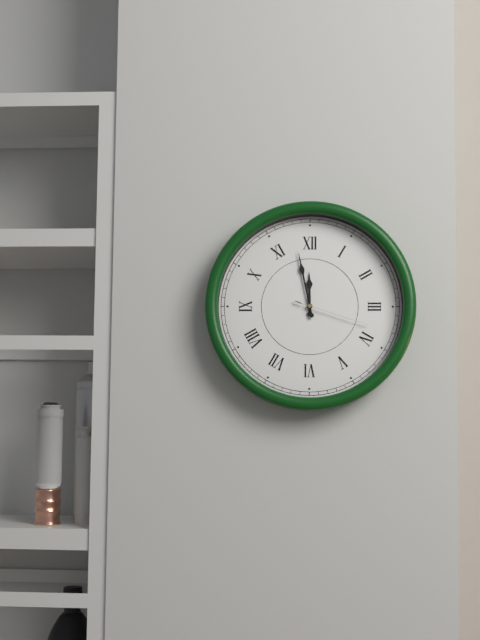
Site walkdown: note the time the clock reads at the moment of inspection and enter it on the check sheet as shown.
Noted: 11:58:18
